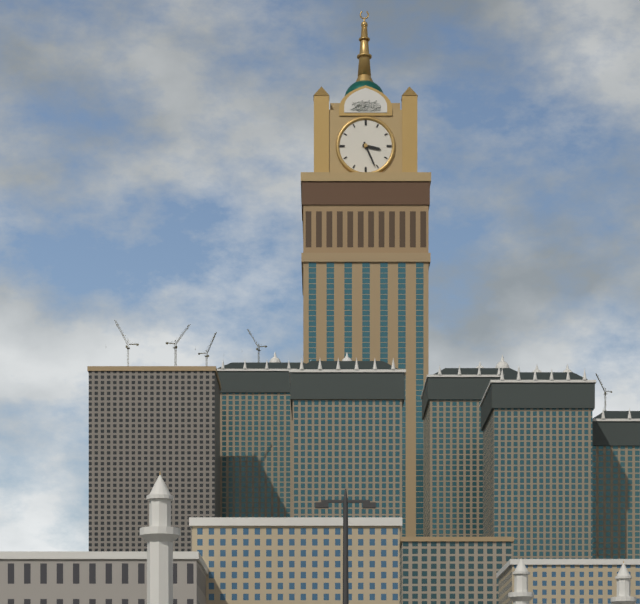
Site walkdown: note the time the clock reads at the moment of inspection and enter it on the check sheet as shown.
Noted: 3:26
